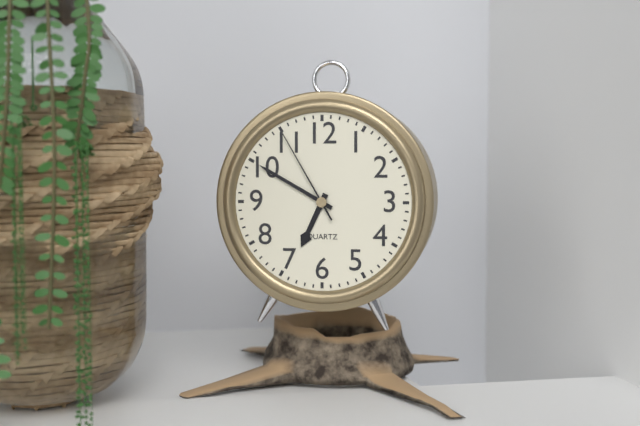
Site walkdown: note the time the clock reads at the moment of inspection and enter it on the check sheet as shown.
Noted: 6:50:55
